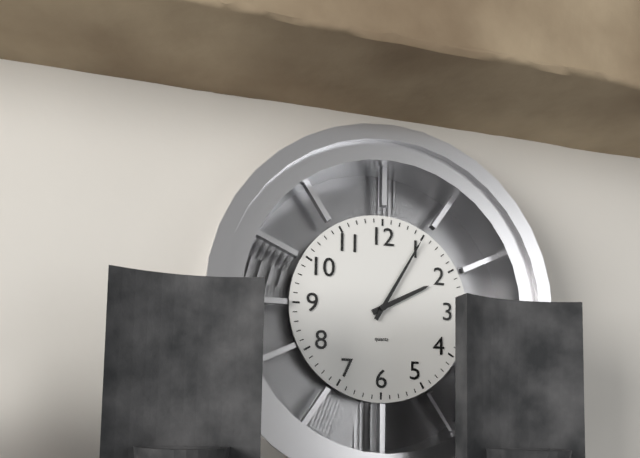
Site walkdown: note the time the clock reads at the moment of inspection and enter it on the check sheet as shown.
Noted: 2:05
